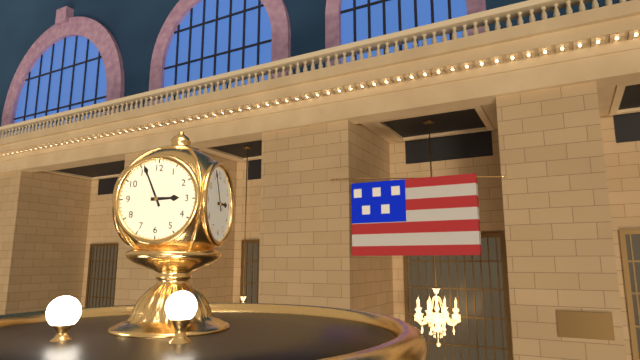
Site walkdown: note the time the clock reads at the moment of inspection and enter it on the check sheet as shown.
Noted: 2:56
